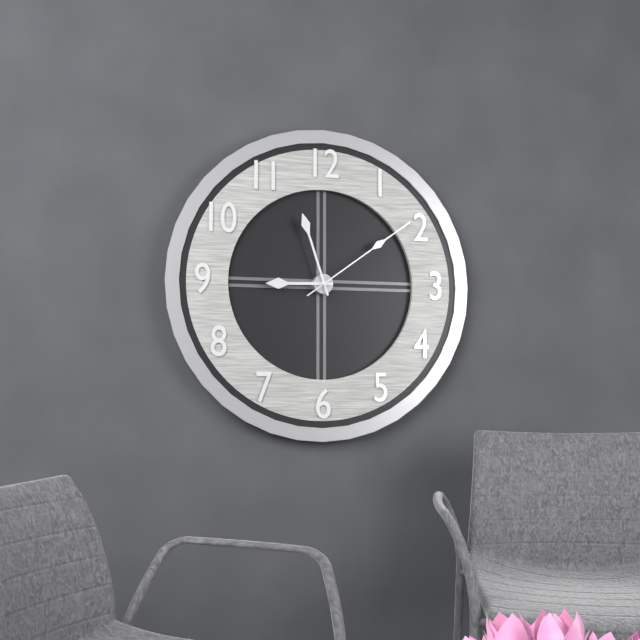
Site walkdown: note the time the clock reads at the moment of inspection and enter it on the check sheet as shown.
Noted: 8:57:09
